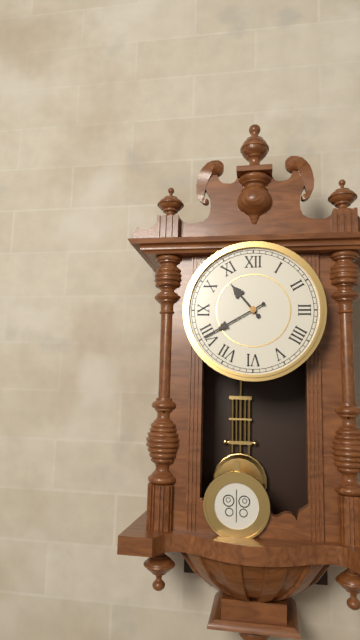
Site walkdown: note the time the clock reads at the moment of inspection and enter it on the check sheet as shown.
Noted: 10:40
